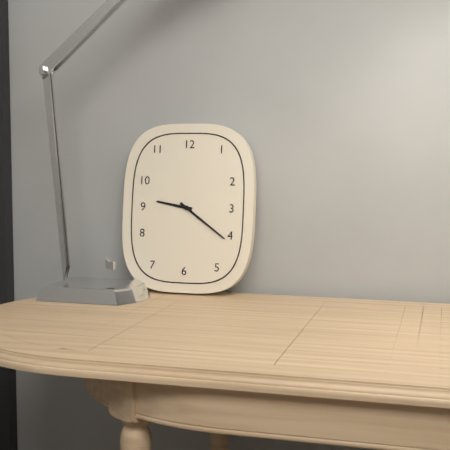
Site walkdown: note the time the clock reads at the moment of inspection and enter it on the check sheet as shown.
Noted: 9:21
